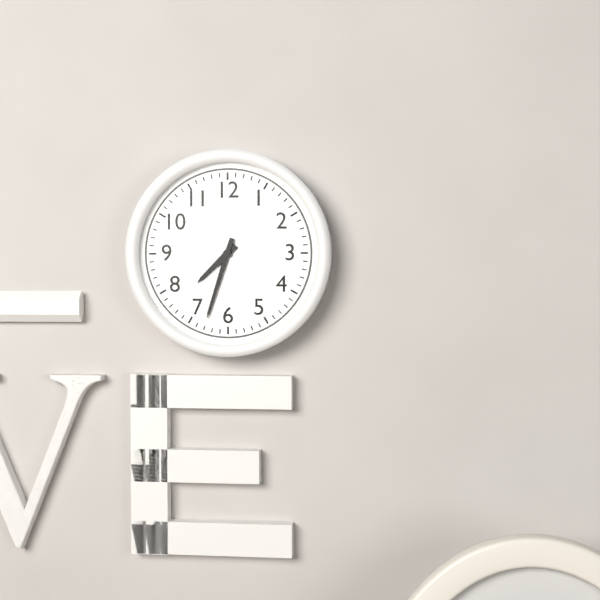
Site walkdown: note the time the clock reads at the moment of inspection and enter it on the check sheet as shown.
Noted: 7:33
